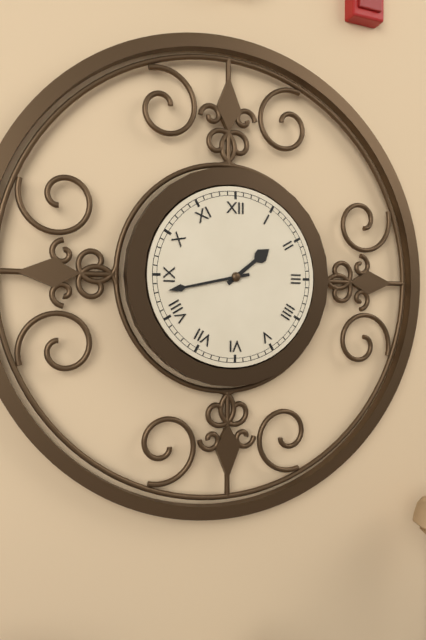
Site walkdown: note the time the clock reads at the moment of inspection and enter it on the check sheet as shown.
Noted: 1:43
